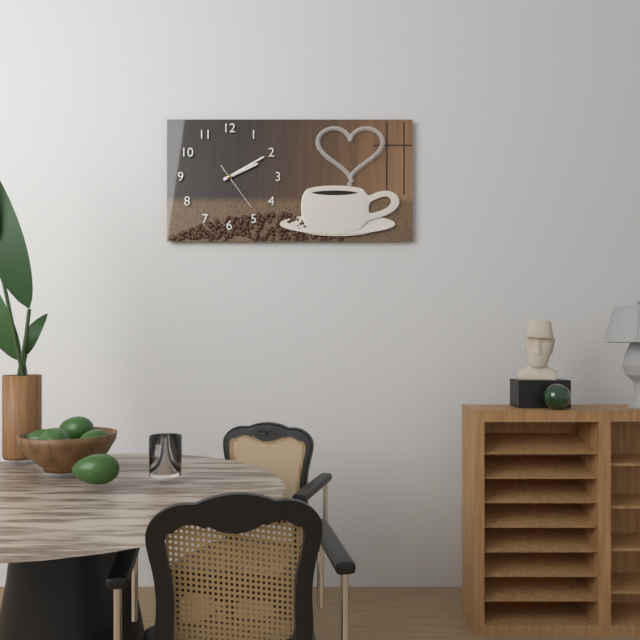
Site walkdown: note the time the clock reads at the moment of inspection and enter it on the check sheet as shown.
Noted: 2:10
